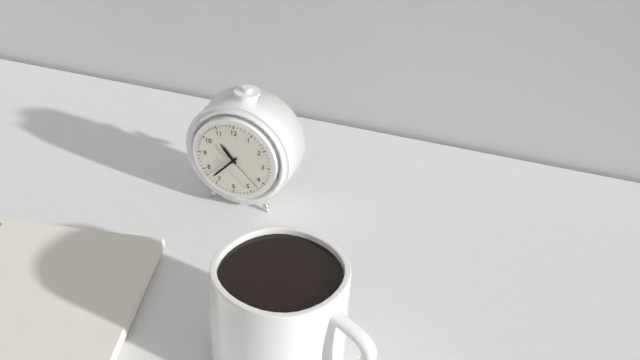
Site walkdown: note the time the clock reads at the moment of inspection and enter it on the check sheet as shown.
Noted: 10:37
